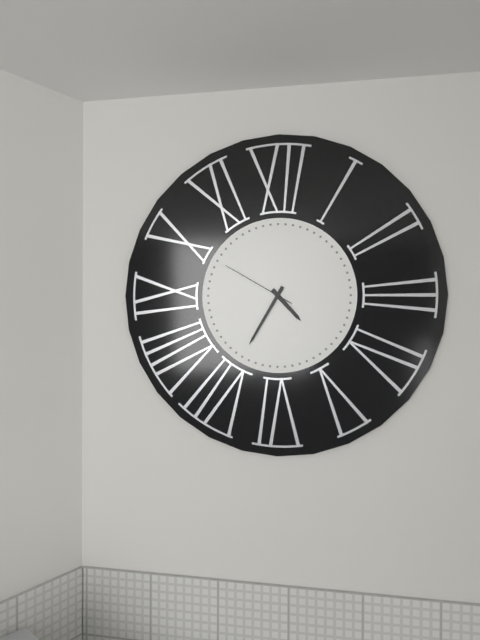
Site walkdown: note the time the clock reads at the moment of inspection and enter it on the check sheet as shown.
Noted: 4:35:50
